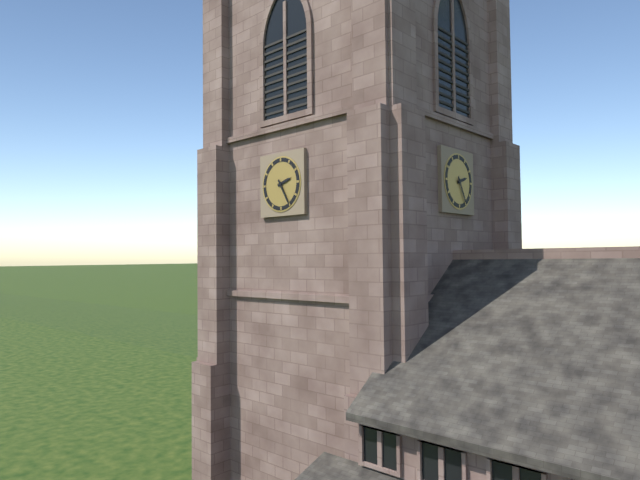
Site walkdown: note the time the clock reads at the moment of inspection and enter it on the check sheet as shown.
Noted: 2:25
